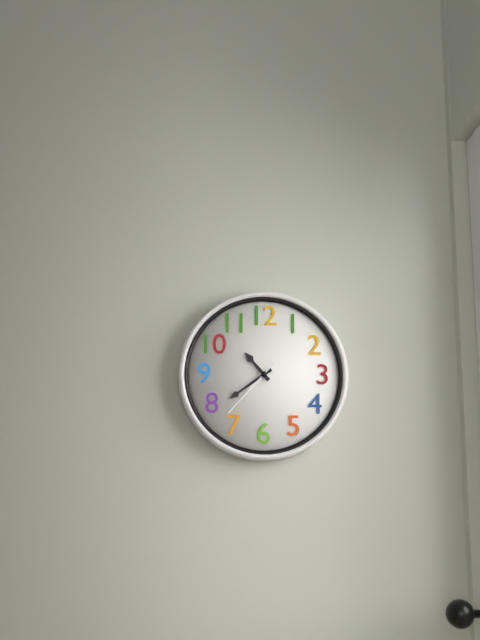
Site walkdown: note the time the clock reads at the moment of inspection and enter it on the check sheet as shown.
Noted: 10:39:37
